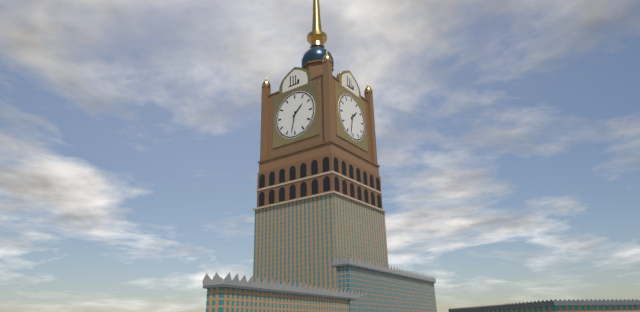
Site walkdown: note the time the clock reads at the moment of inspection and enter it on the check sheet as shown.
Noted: 1:32
